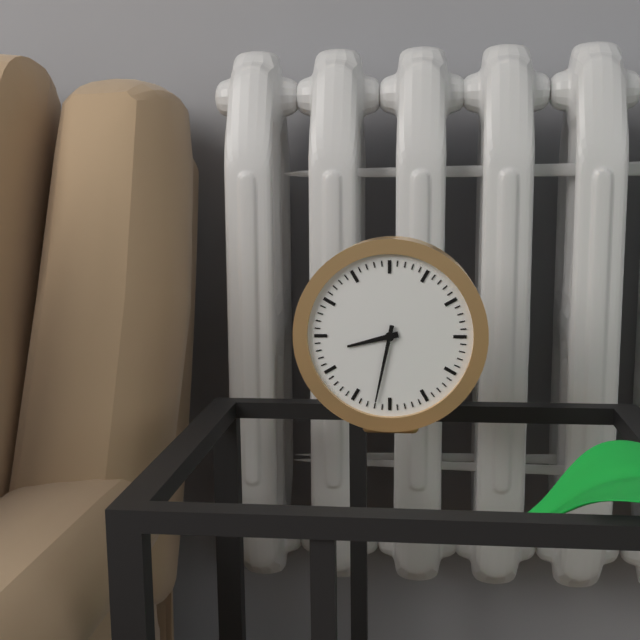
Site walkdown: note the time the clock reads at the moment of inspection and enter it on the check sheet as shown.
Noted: 8:32
